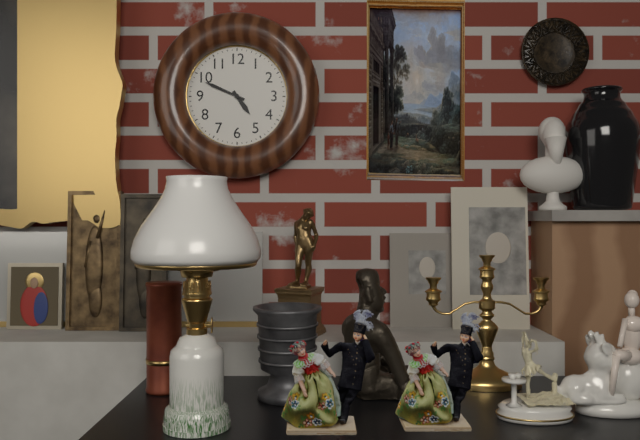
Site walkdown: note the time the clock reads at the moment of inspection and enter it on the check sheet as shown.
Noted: 4:49
